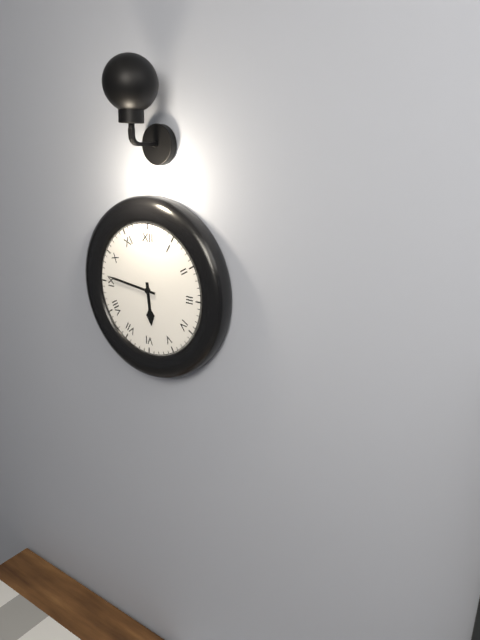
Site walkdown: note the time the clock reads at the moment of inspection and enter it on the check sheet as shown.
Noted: 5:46
